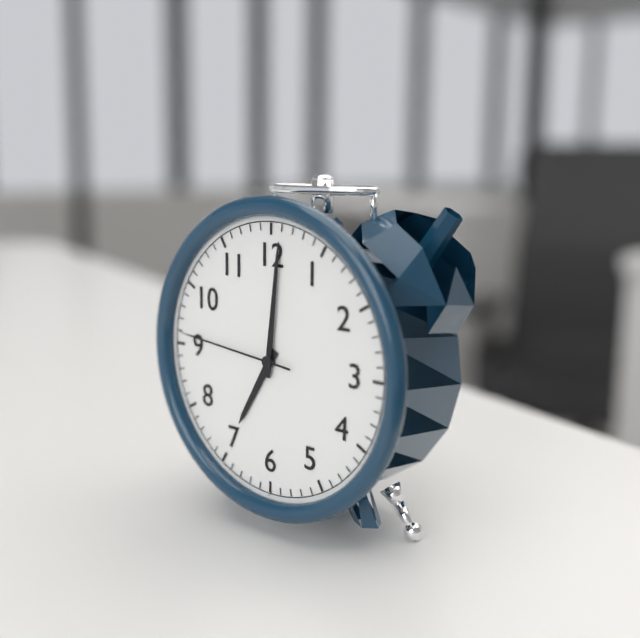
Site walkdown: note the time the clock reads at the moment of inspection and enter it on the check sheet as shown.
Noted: 7:01:46
